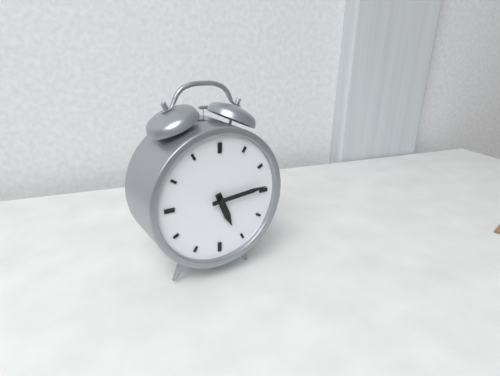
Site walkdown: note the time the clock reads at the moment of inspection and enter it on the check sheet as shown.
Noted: 5:14
